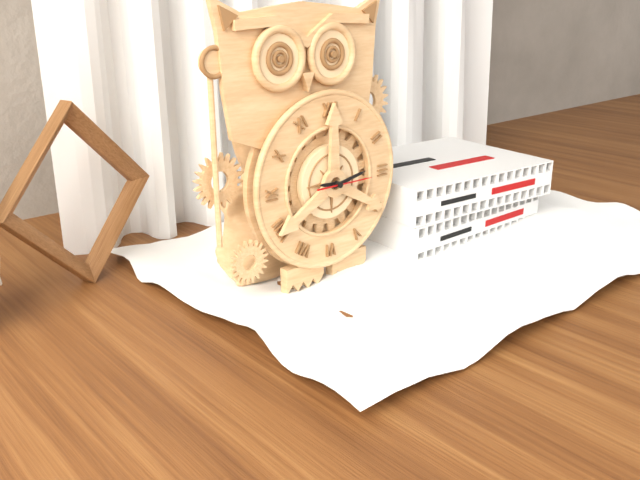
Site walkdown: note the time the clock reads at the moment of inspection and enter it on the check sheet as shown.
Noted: 9:13
